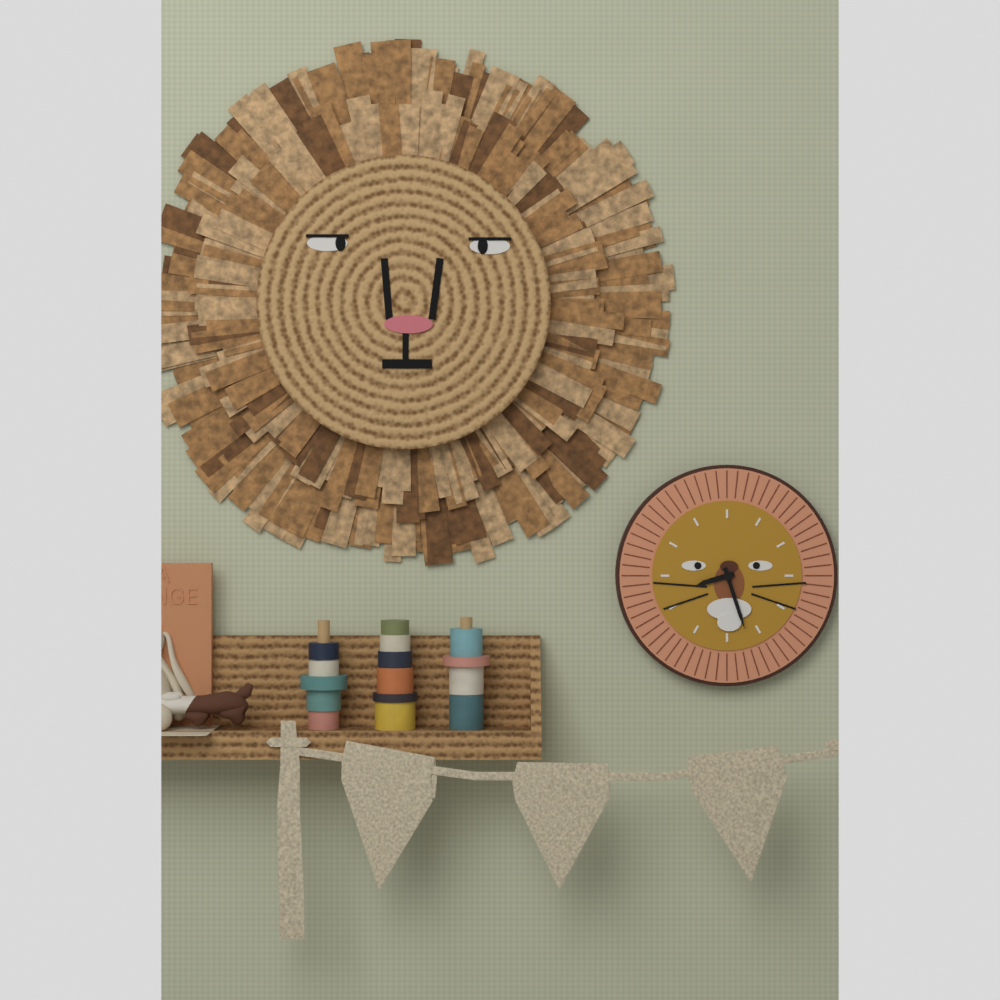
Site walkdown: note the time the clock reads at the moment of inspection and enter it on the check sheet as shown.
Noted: 8:27
